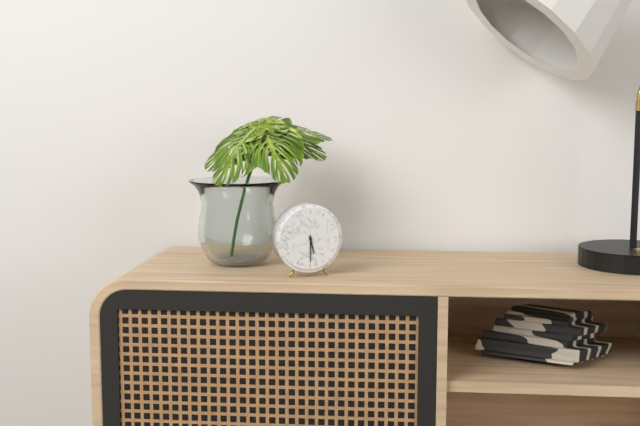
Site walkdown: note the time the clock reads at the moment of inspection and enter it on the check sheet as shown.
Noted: 5:30
